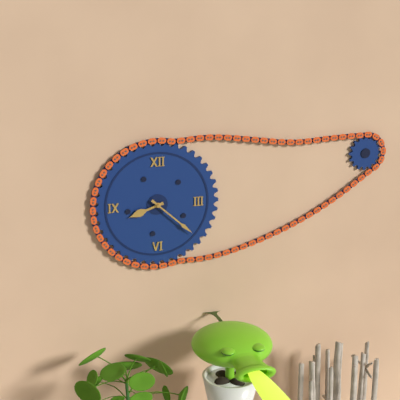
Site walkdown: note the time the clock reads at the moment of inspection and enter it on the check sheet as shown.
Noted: 8:22
